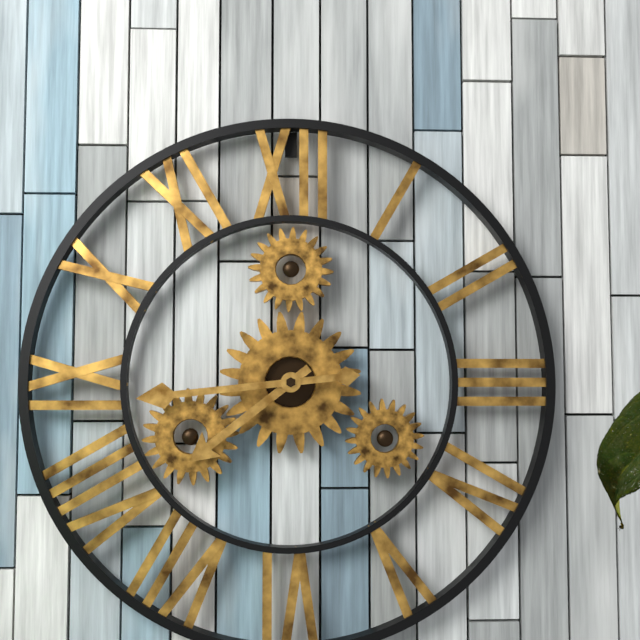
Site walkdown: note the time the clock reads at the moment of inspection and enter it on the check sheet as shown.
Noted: 7:44
